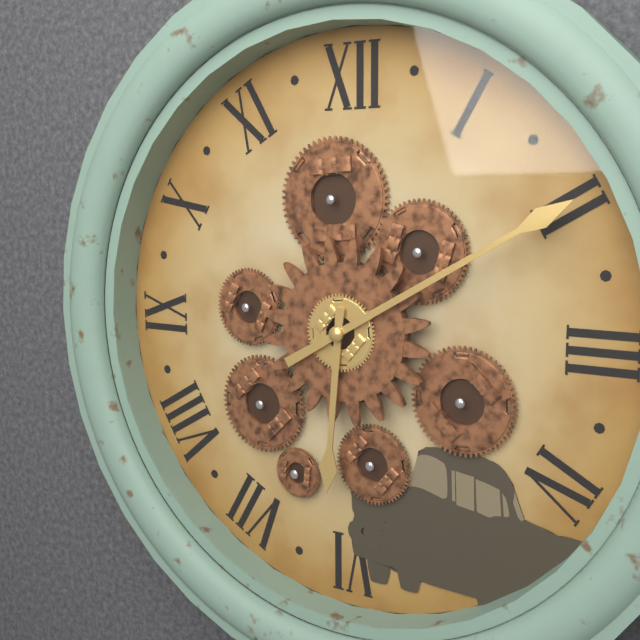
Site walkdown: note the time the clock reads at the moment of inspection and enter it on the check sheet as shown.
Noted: 6:10
